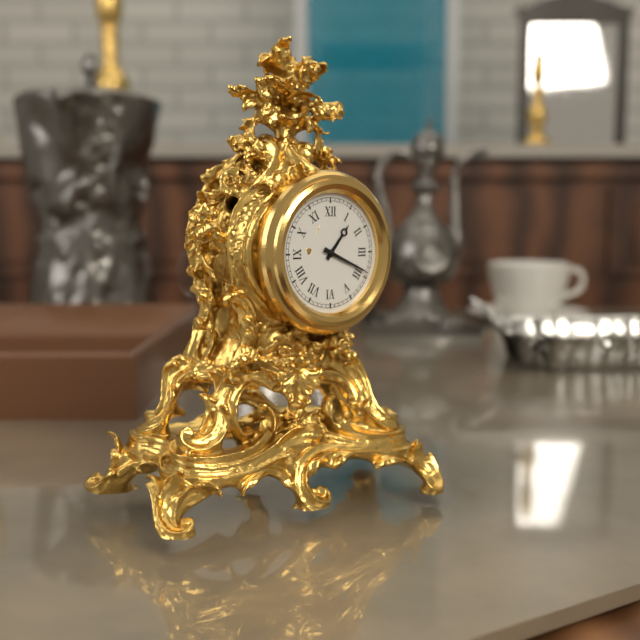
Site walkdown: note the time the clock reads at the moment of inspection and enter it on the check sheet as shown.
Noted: 1:19
